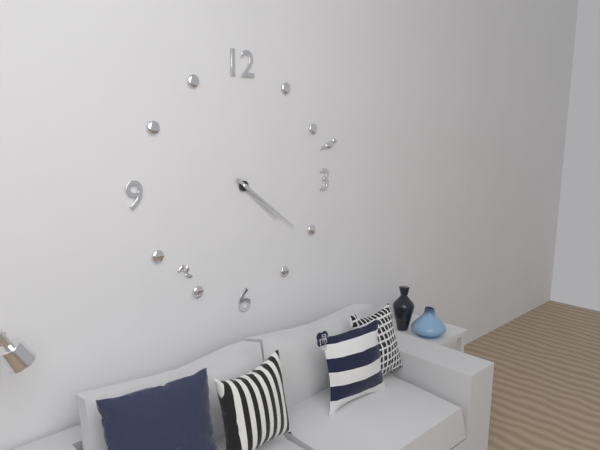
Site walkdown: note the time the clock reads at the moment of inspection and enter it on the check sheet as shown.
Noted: 4:21
